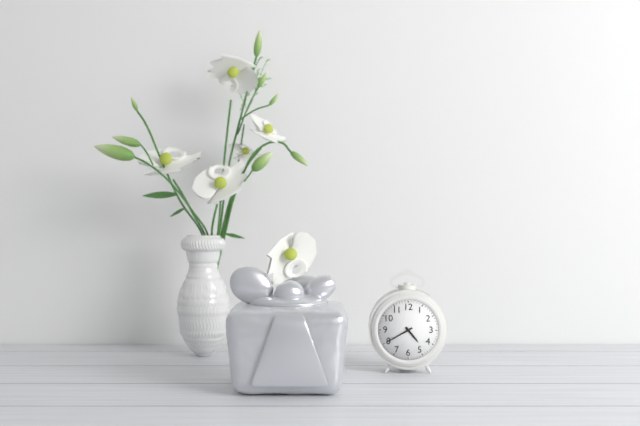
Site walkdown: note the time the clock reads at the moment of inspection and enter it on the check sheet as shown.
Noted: 4:40
